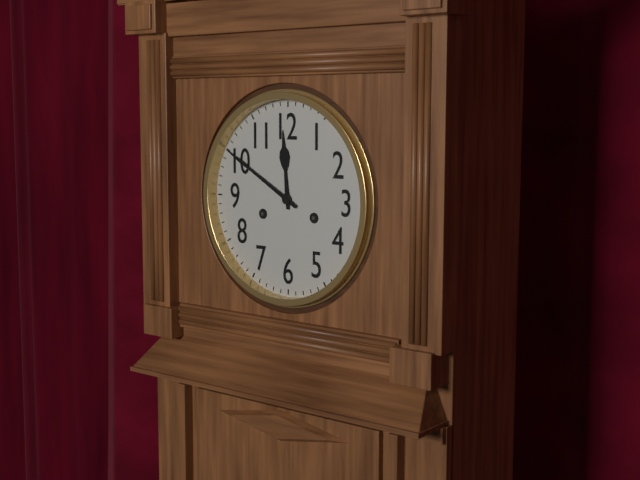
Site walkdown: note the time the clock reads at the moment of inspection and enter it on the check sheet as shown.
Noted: 11:50
